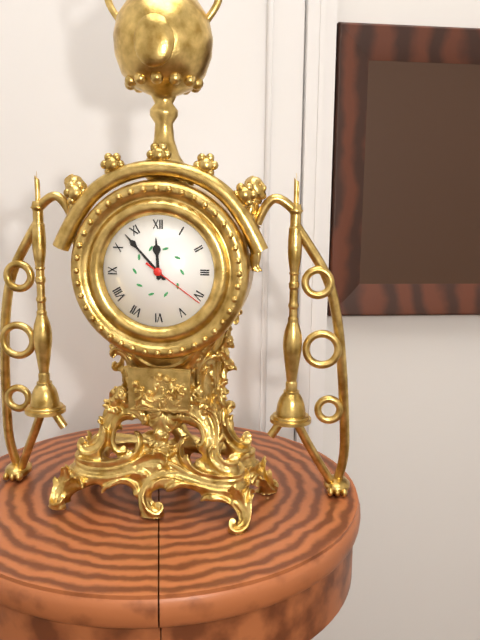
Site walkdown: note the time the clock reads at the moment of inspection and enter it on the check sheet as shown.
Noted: 11:53:21
